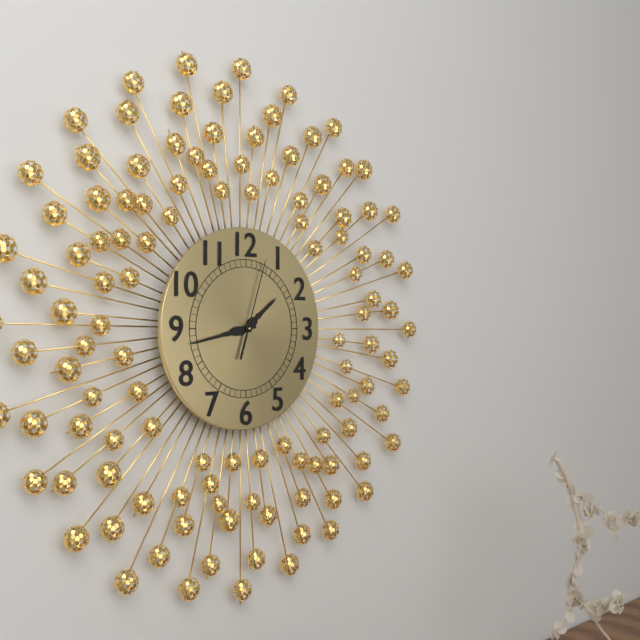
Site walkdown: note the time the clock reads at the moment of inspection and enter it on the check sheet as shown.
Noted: 1:43:03
